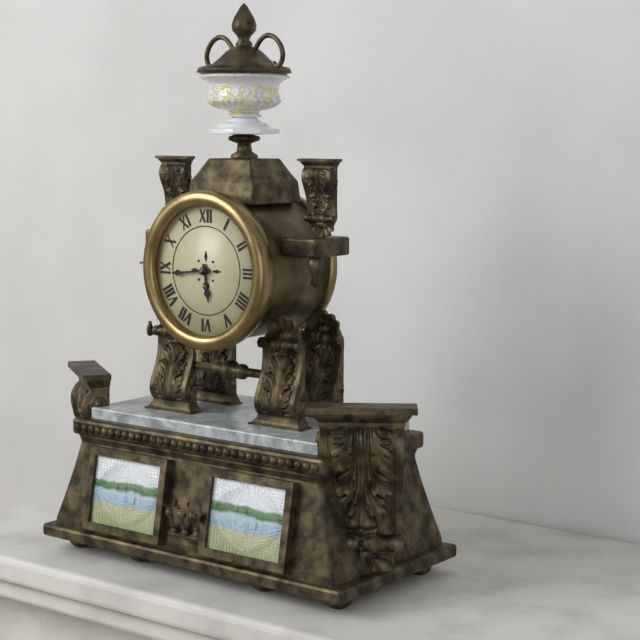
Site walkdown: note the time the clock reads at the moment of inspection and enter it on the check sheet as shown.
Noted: 5:44
